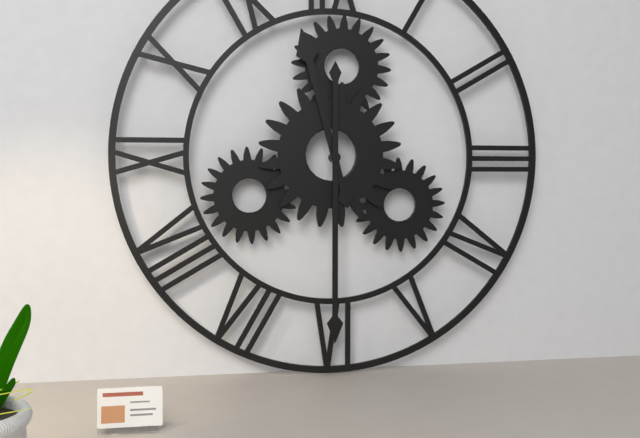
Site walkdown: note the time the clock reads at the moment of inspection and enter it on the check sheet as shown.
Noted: 11:30
